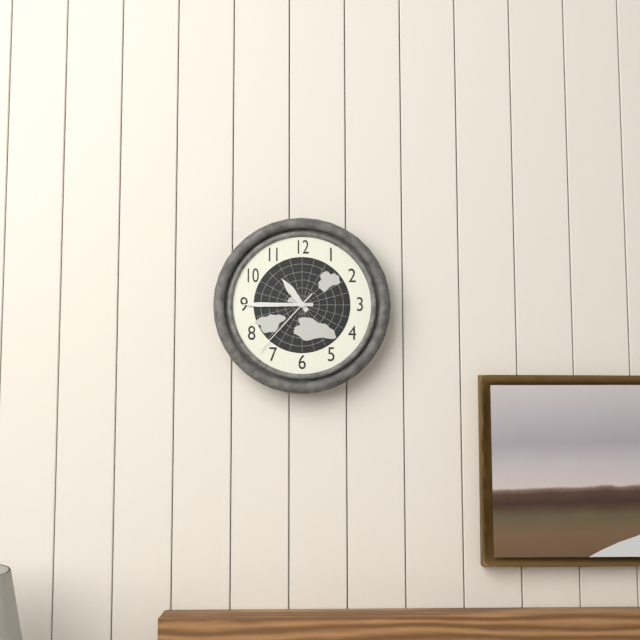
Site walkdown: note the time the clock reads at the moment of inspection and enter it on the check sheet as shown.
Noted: 10:45:37
